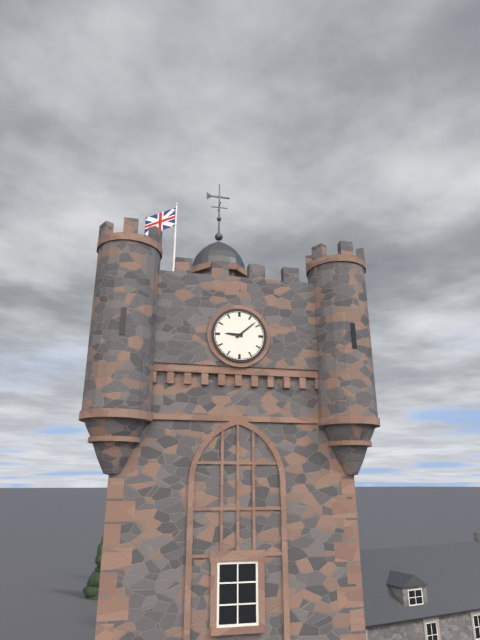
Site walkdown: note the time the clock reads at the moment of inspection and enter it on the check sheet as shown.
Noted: 9:08
